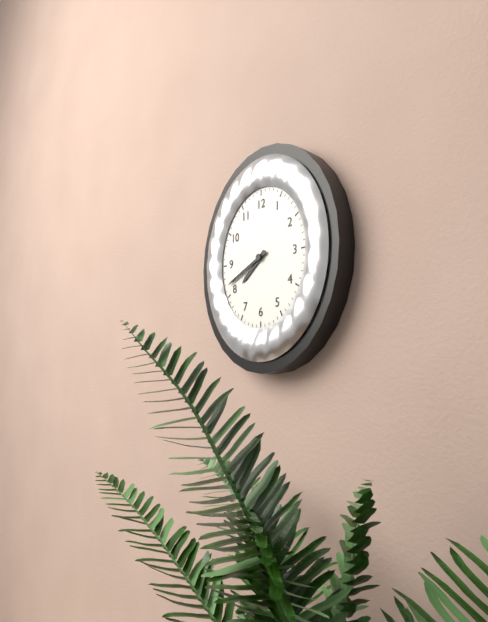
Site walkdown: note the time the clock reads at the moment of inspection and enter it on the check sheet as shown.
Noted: 7:41
